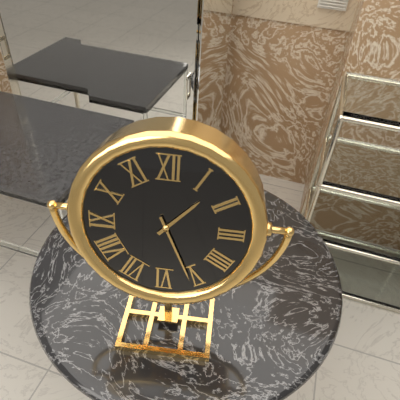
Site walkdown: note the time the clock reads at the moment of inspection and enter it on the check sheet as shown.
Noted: 1:26
